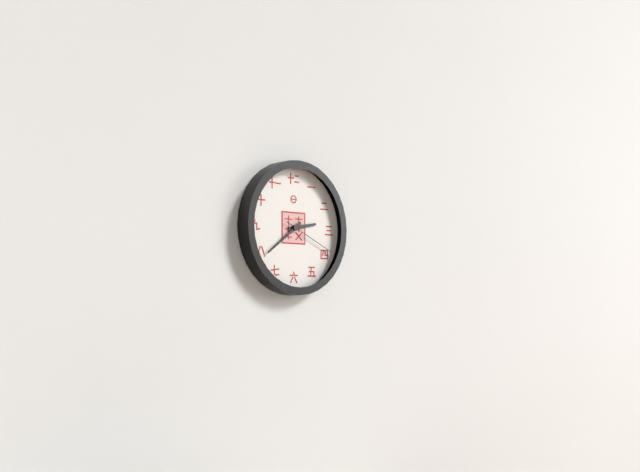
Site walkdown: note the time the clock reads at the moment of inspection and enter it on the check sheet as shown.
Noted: 2:39:19
